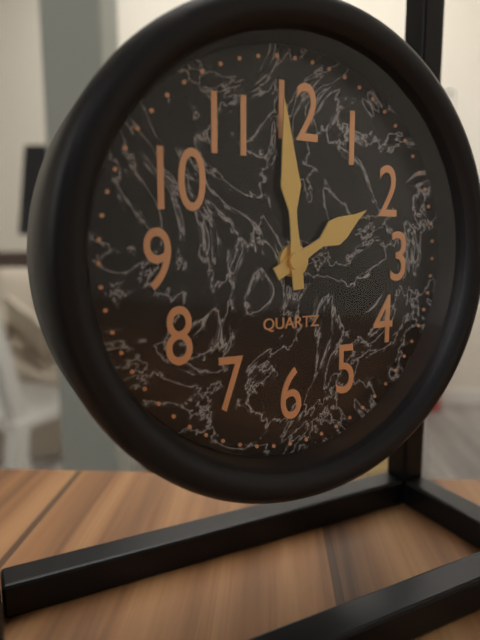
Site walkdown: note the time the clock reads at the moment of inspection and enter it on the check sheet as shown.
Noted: 1:59
